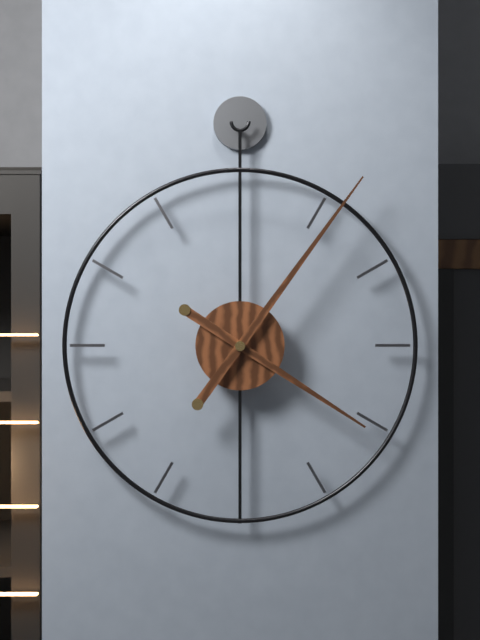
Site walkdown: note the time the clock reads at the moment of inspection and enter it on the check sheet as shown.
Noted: 4:06
